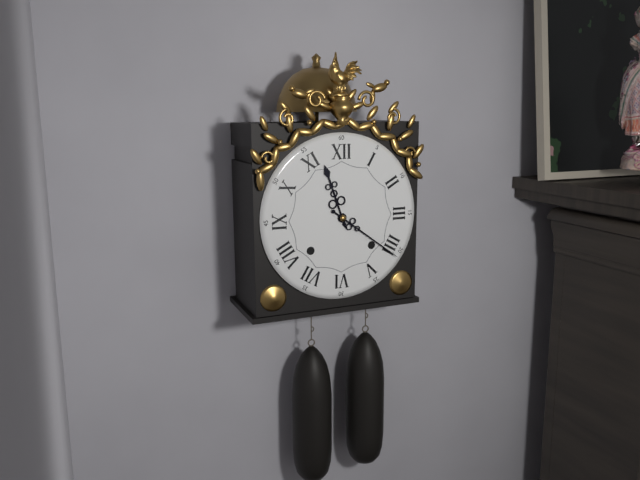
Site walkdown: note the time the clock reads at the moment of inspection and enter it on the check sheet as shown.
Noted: 11:21
